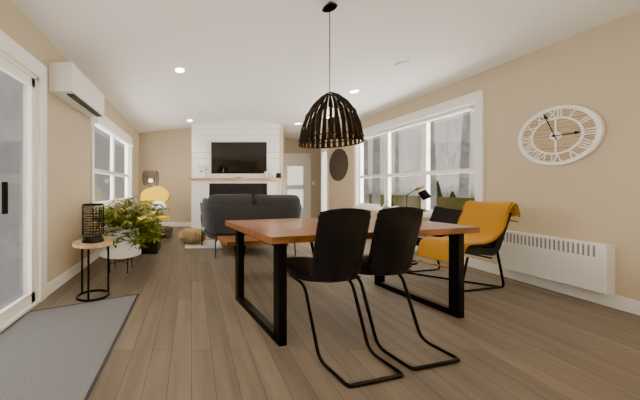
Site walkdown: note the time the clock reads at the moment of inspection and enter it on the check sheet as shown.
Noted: 2:57
